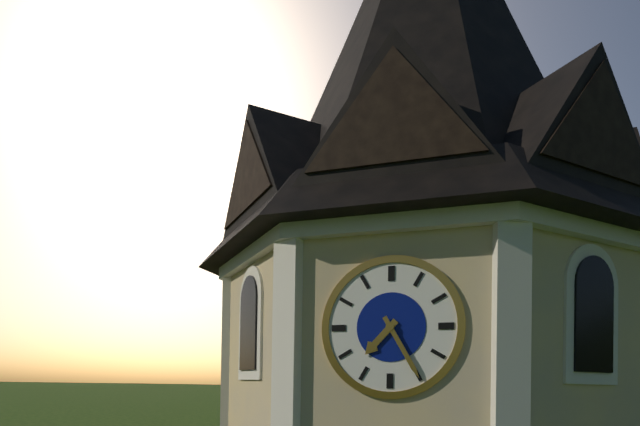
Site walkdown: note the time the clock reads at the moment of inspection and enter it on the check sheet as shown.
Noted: 7:25
